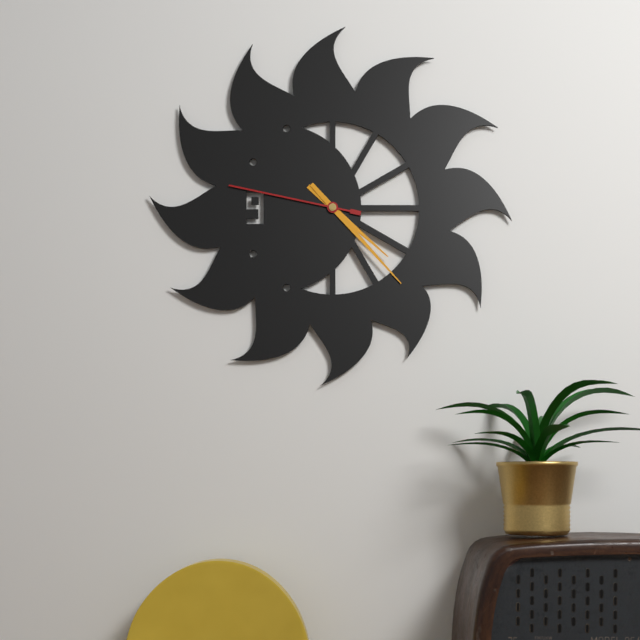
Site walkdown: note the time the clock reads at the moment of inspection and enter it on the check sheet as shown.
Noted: 4:23:47
